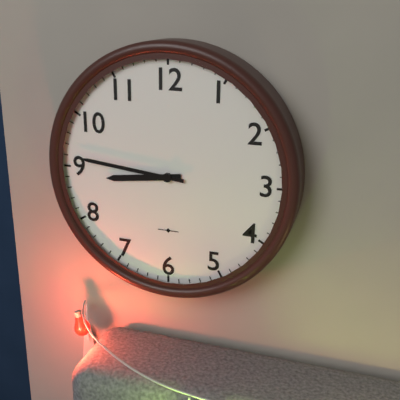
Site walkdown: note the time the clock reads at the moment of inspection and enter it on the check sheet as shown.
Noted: 8:46
